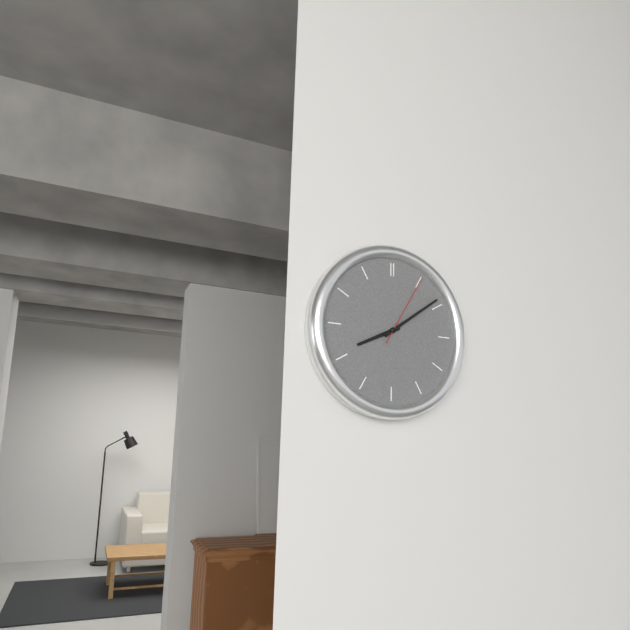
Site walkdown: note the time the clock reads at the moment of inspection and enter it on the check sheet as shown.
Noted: 8:09:05
